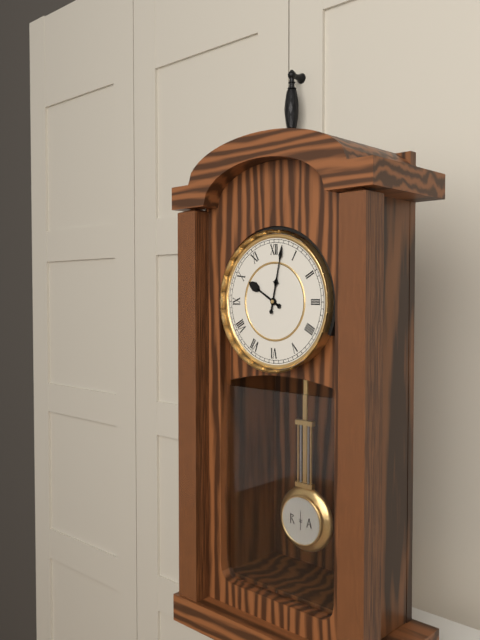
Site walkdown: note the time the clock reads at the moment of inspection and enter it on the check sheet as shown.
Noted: 10:02
